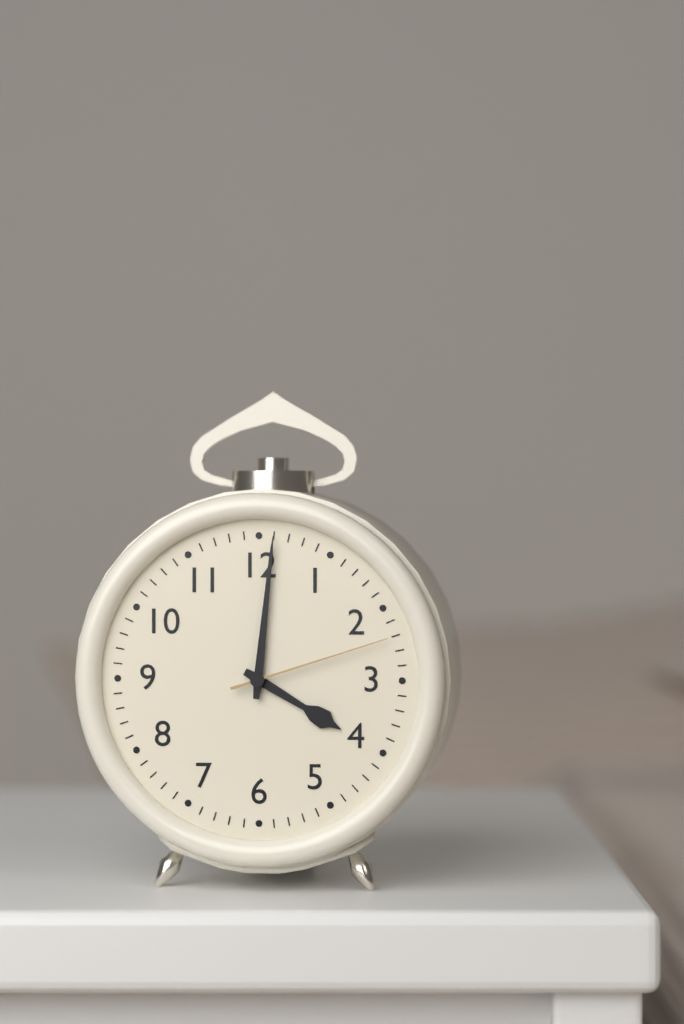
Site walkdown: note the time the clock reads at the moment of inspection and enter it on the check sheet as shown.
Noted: 4:01:12
